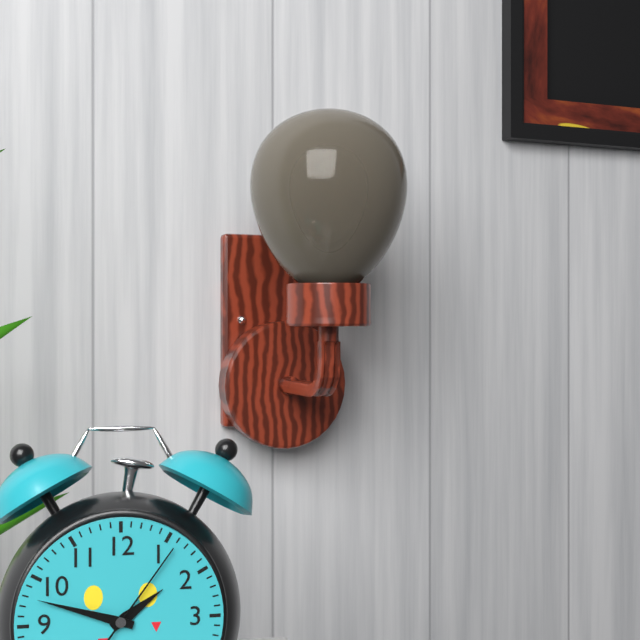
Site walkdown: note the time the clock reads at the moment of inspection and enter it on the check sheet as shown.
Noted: 1:48:06
